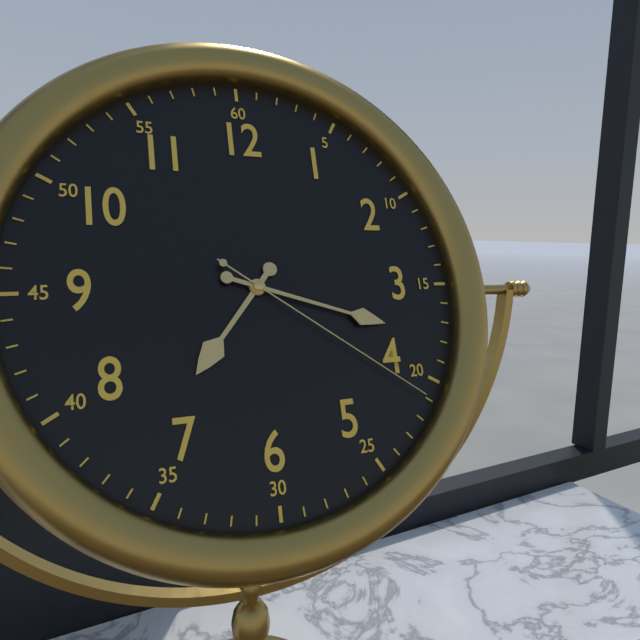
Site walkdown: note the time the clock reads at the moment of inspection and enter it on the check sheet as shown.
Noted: 7:18:21
